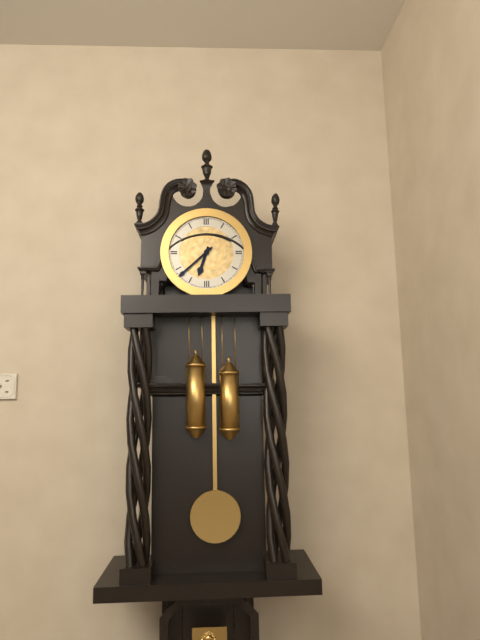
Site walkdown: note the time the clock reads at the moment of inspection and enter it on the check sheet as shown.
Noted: 6:38
